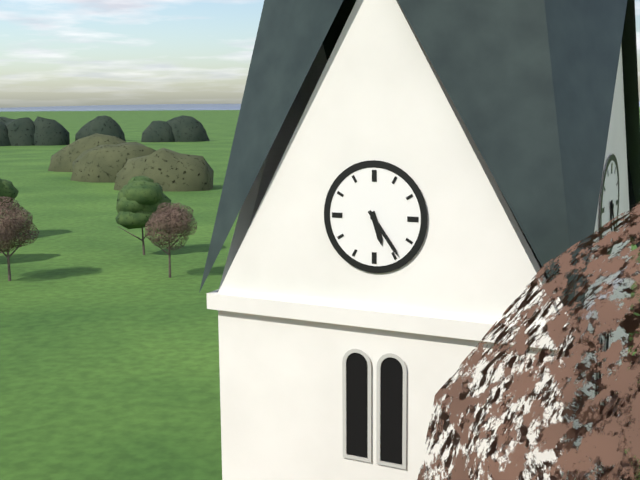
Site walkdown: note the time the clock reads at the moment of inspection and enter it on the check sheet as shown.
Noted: 5:24
